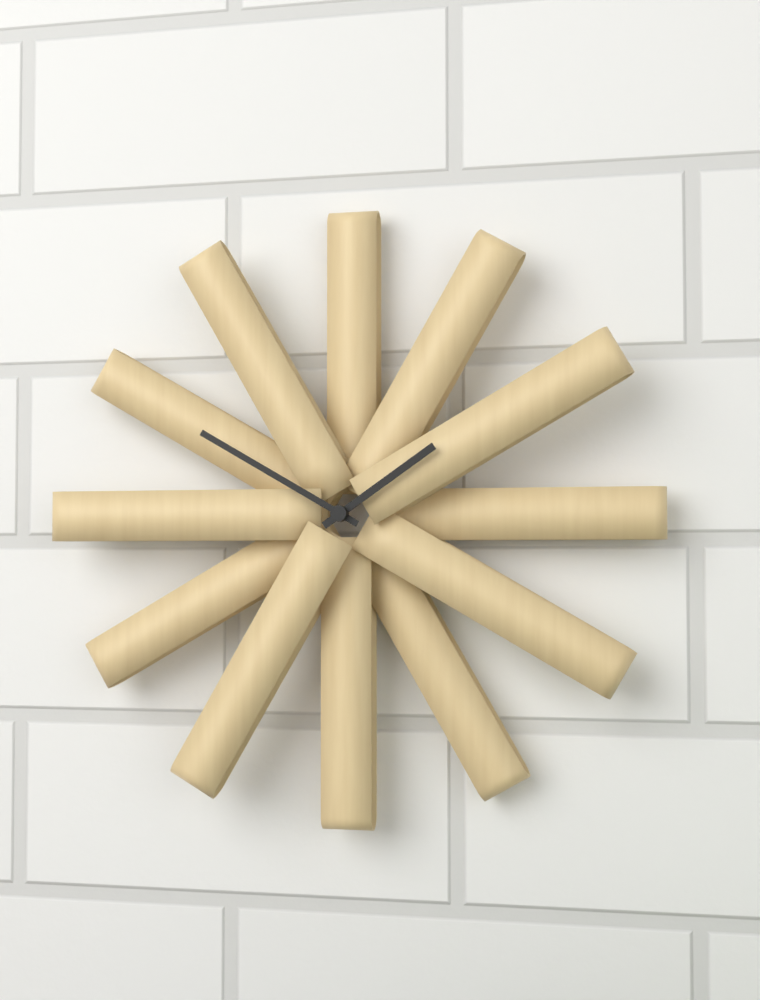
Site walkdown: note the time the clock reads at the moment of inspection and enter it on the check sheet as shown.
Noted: 1:50
